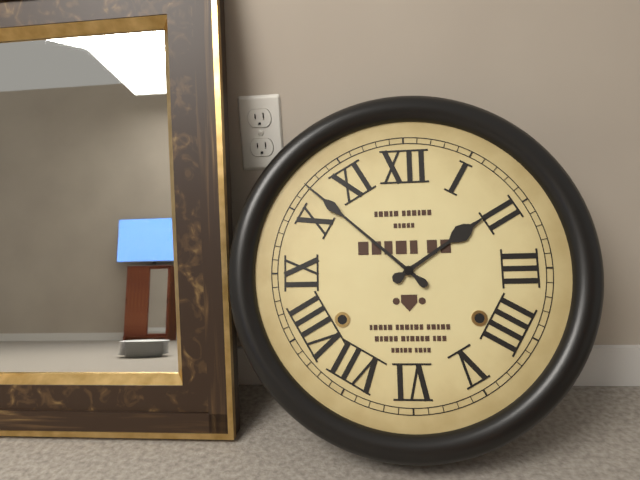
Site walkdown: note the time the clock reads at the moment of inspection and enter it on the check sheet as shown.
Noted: 1:52
